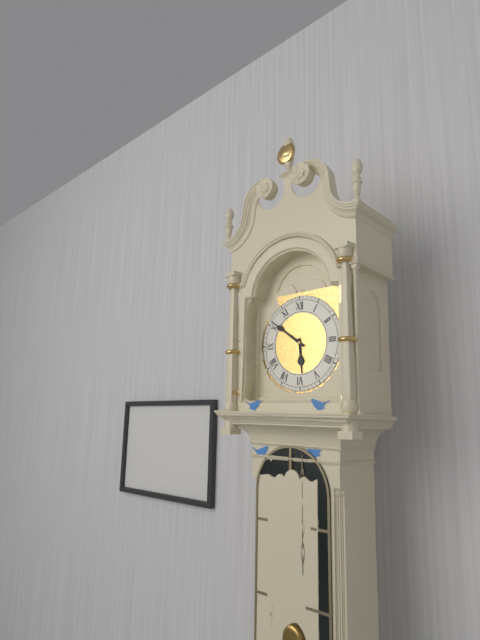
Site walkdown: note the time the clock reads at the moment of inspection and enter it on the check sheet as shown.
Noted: 5:51
